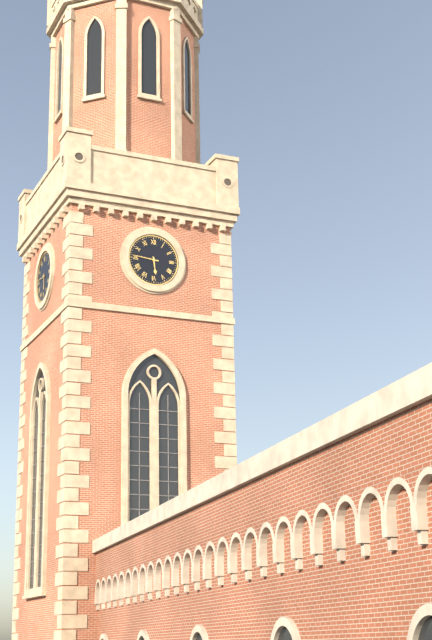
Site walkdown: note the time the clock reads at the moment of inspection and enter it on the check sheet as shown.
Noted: 5:46
